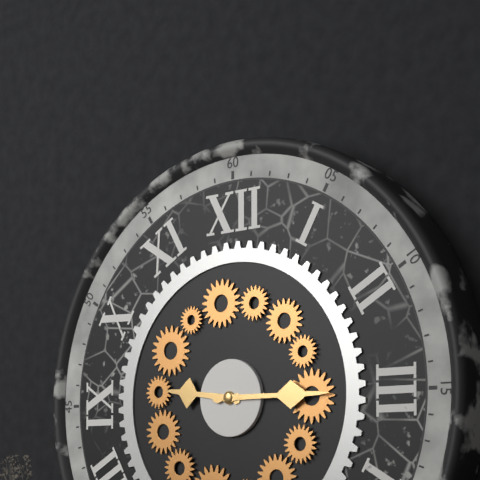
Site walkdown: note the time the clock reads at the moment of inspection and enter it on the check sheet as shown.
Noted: 9:15
